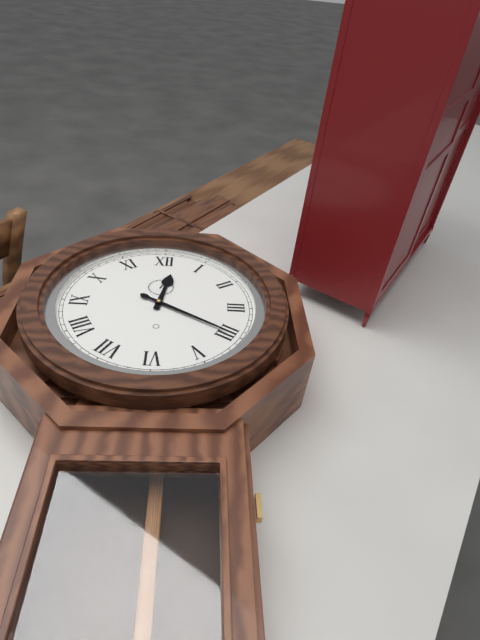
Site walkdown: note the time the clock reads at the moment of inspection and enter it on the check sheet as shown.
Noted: 12:20
